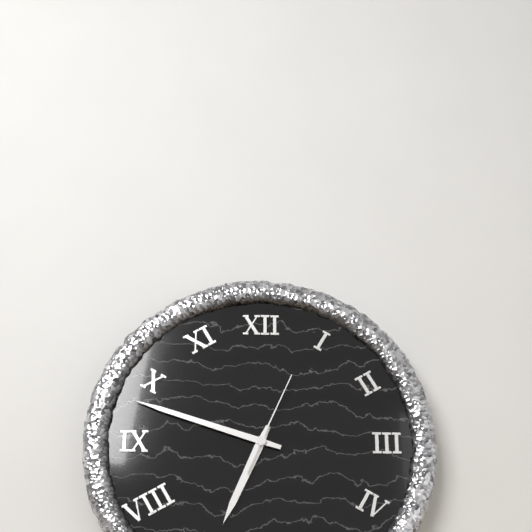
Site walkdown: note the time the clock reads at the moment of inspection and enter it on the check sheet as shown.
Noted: 6:48:04
